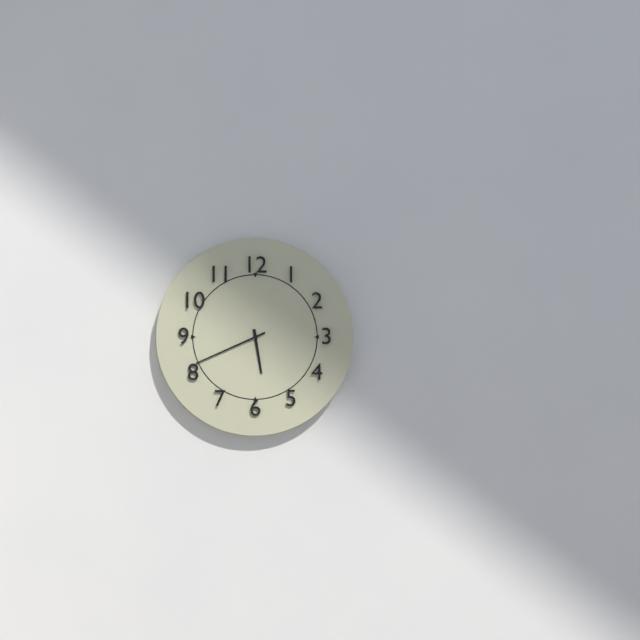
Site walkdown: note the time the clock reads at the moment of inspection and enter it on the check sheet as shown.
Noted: 5:41
